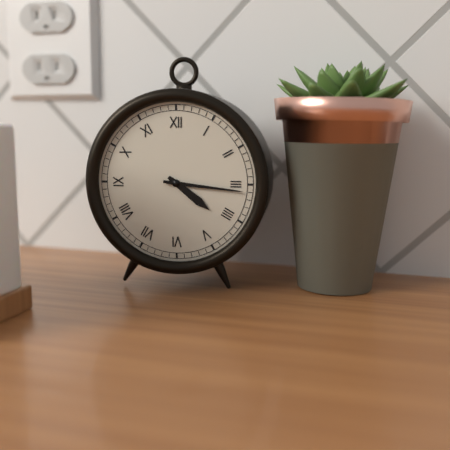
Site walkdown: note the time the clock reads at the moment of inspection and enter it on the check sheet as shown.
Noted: 4:16
